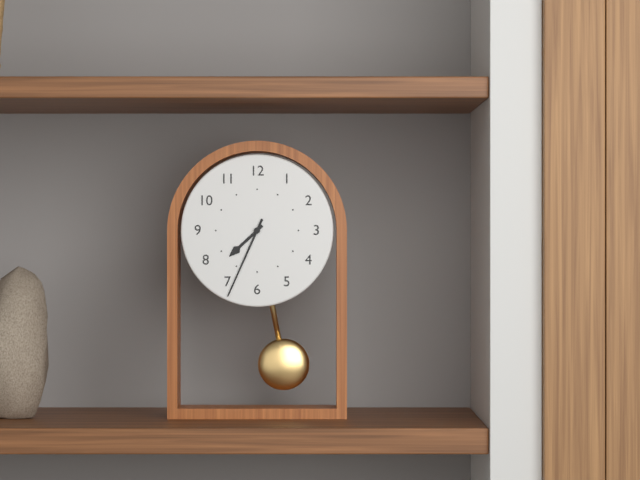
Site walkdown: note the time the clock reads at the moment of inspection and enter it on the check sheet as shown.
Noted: 7:34
